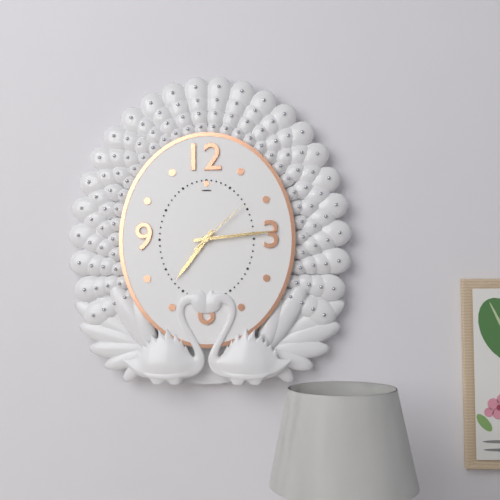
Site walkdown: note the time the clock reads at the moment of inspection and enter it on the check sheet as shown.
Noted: 7:14:08
